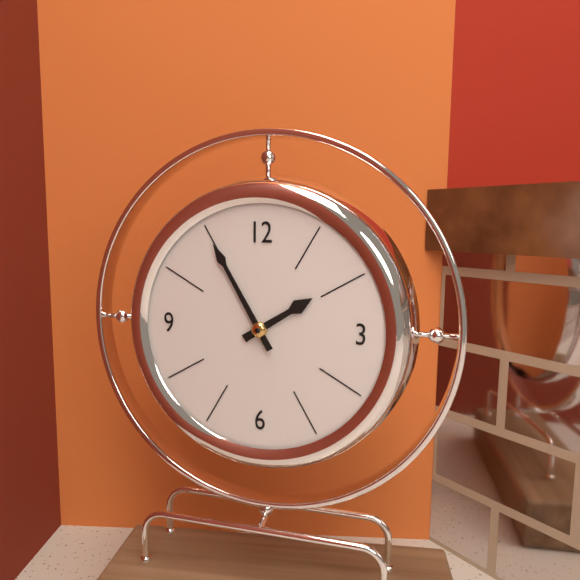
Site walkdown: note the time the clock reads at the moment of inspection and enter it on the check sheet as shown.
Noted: 1:55
